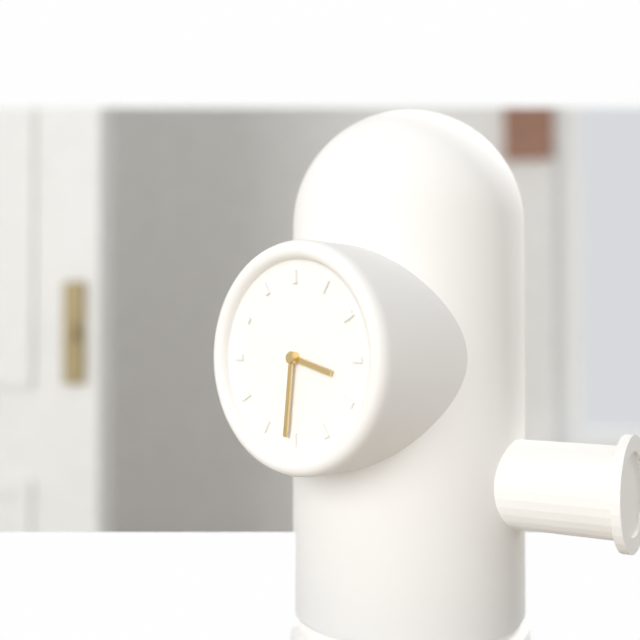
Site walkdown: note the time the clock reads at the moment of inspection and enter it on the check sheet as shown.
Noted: 3:31
